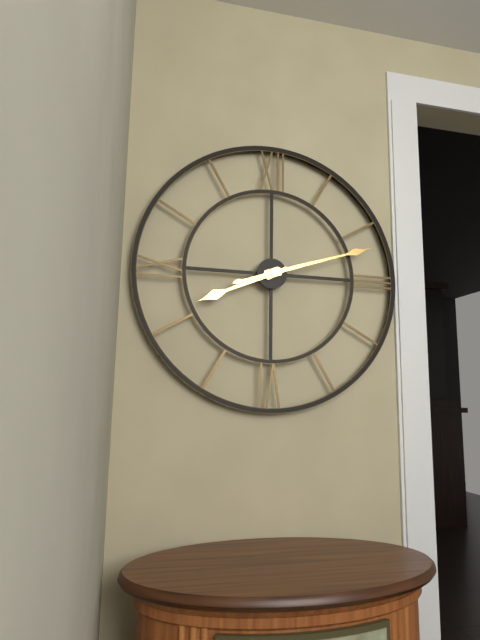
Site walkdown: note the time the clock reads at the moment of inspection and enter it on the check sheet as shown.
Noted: 8:12
